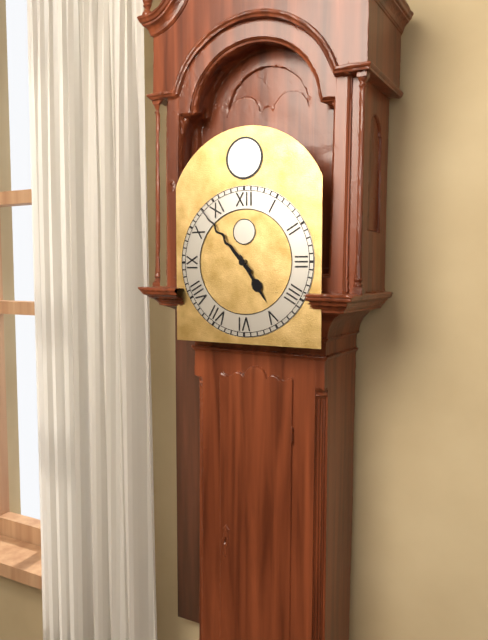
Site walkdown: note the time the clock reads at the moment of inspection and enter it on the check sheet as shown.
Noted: 4:53
